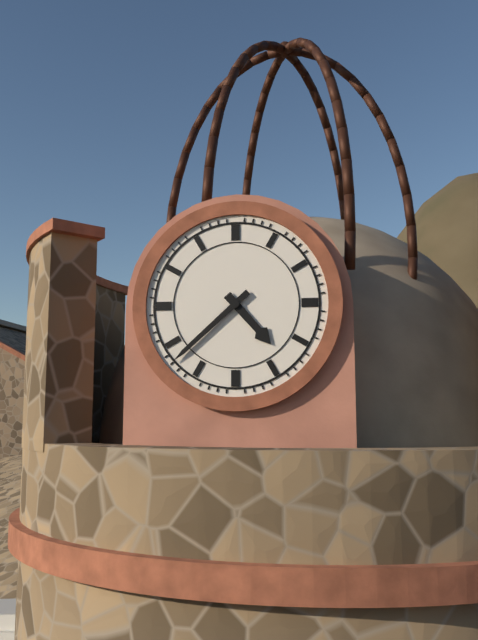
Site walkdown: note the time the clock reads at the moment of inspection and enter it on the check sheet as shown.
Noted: 4:38
